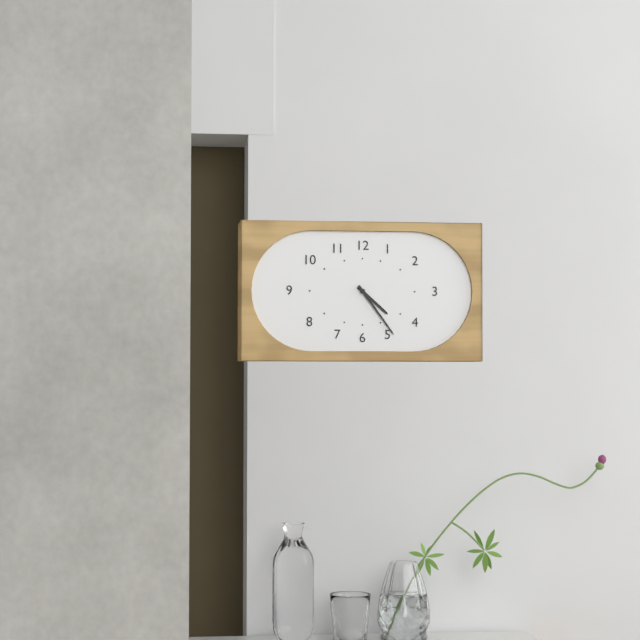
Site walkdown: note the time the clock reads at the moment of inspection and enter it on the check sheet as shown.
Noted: 4:24
